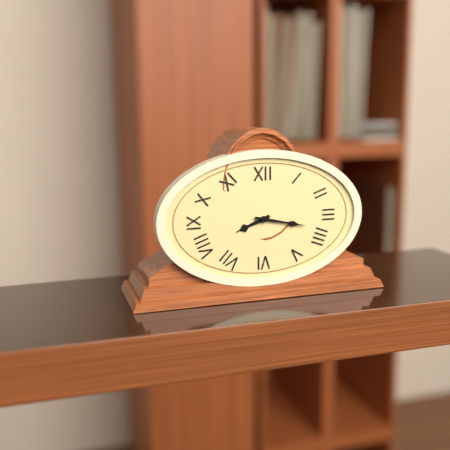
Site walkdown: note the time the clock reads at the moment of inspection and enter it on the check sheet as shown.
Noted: 8:17
